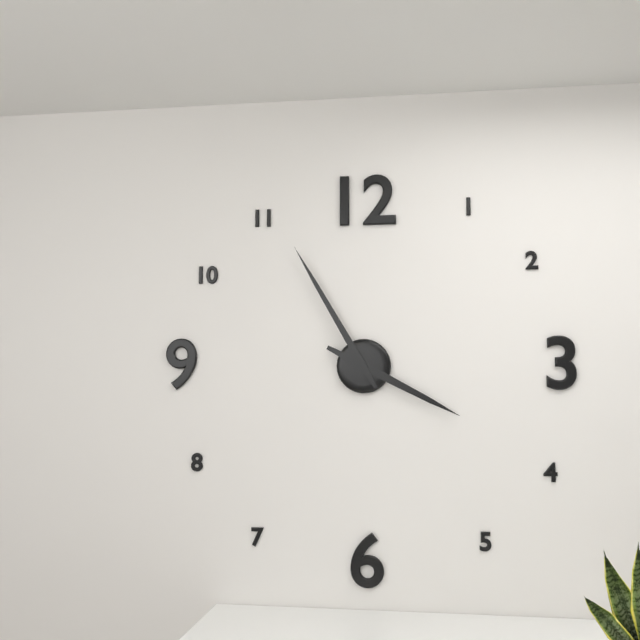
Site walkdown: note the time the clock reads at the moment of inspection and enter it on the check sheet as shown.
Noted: 3:55
